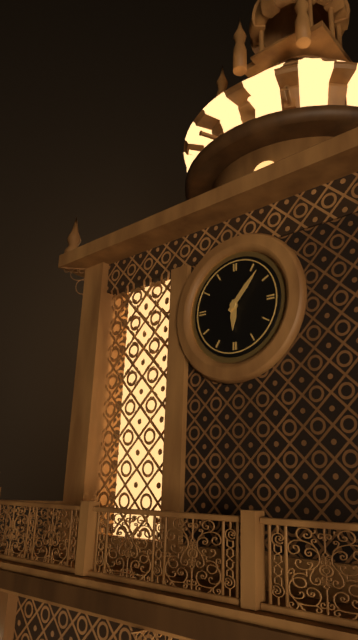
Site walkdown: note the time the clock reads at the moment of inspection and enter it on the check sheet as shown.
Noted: 6:07
